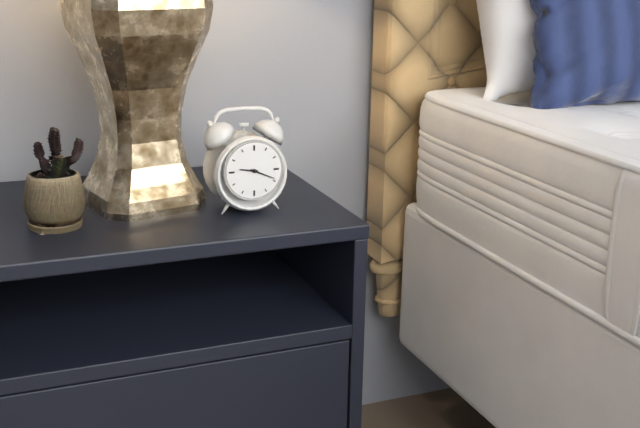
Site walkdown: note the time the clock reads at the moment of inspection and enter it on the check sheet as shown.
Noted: 9:19
